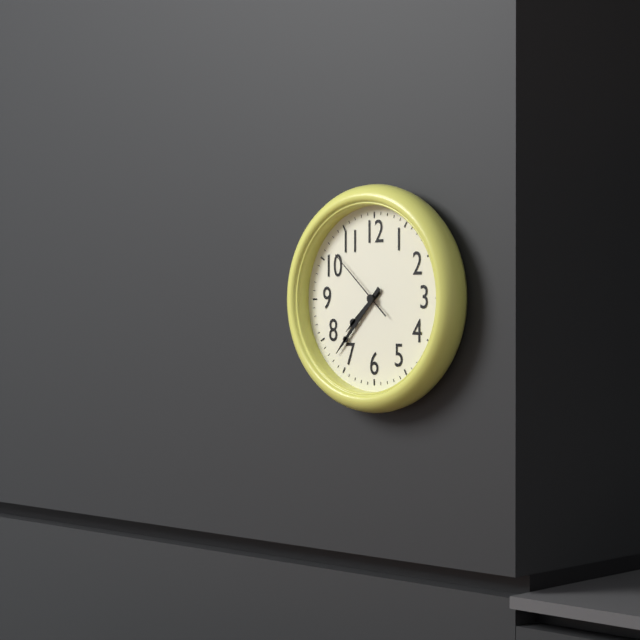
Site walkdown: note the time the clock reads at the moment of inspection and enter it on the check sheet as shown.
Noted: 7:37:52
